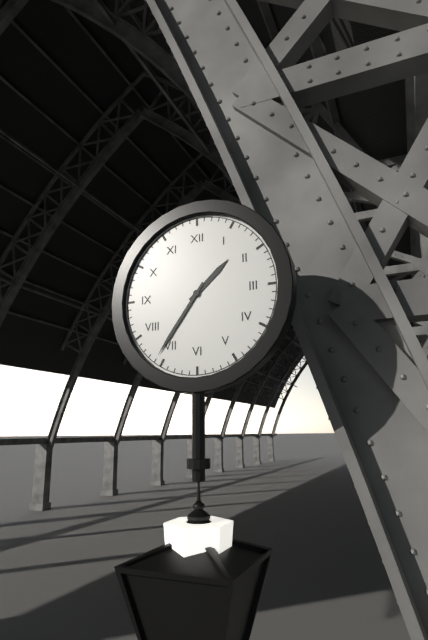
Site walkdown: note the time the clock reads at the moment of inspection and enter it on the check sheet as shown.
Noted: 1:36
